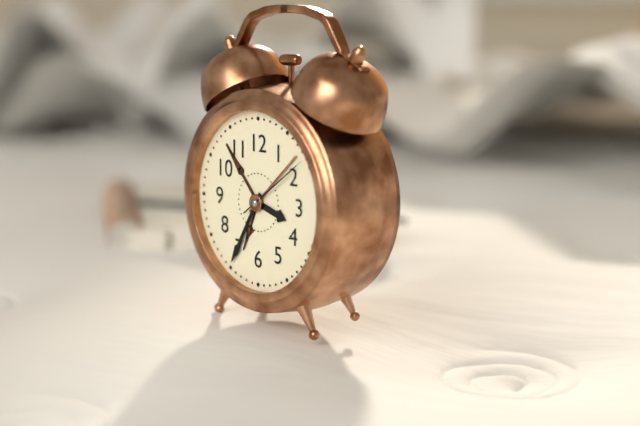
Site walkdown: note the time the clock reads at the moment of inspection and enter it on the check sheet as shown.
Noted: 3:35:09
